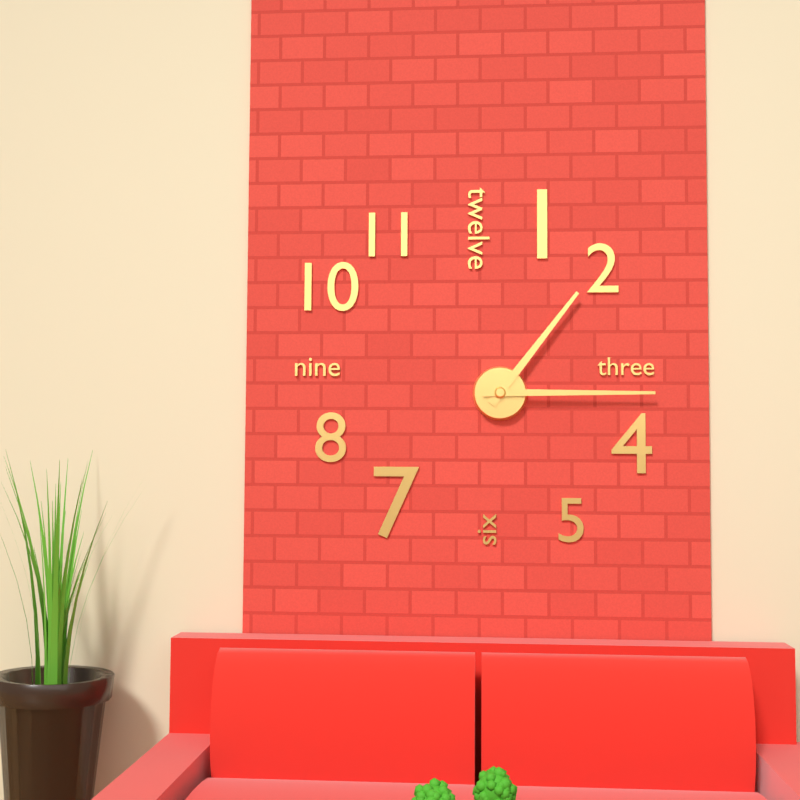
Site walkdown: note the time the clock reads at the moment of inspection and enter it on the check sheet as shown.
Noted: 1:15
